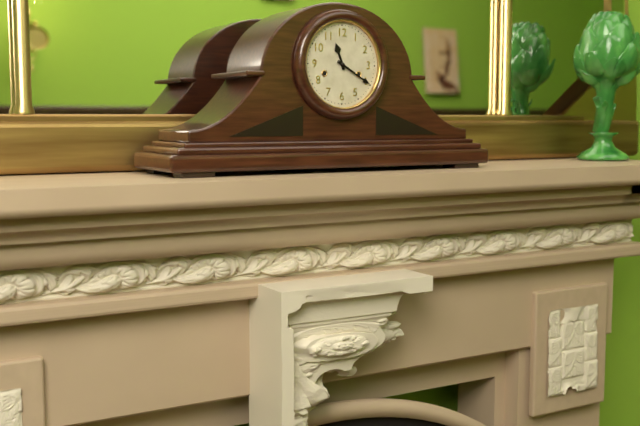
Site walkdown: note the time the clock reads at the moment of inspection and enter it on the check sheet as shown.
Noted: 11:20
